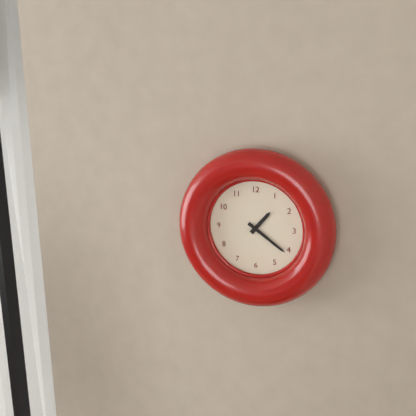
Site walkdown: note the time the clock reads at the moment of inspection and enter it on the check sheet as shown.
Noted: 1:21
